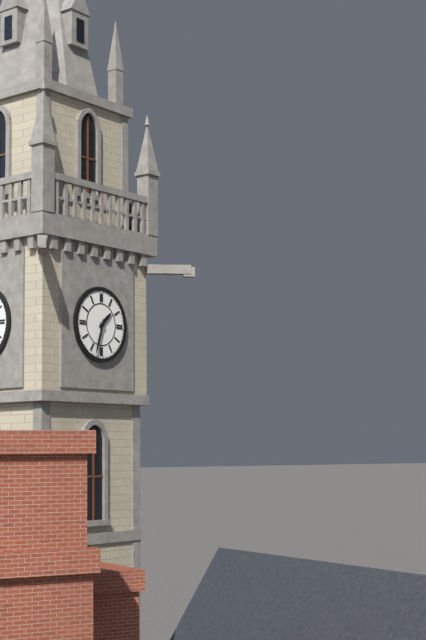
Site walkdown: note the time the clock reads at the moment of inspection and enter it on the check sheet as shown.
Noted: 1:33
